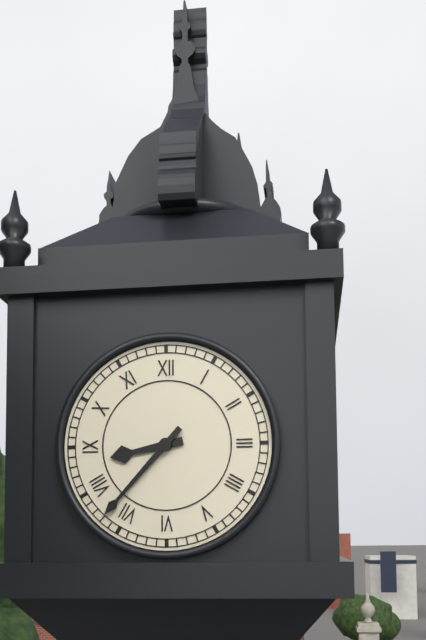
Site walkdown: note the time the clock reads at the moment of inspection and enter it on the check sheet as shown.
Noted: 8:37
